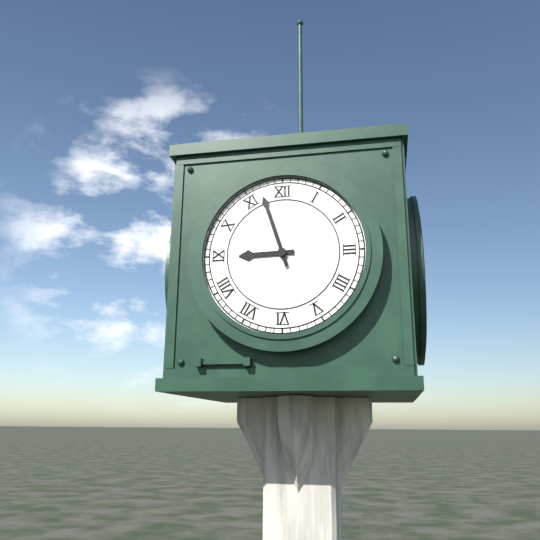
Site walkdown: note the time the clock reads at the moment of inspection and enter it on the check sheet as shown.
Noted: 8:57
